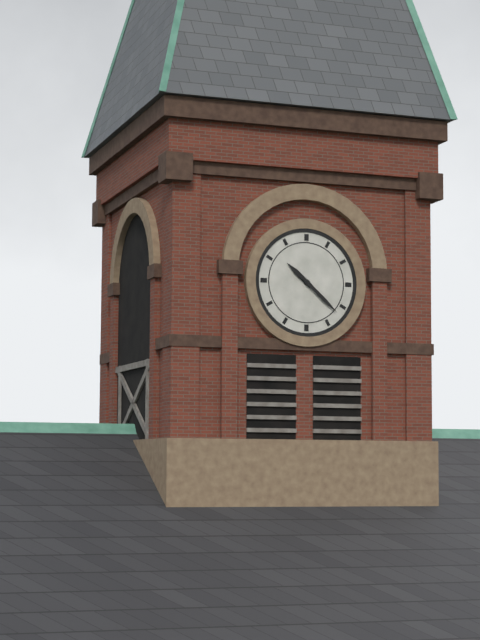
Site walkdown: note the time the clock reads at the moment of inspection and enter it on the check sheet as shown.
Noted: 10:22
